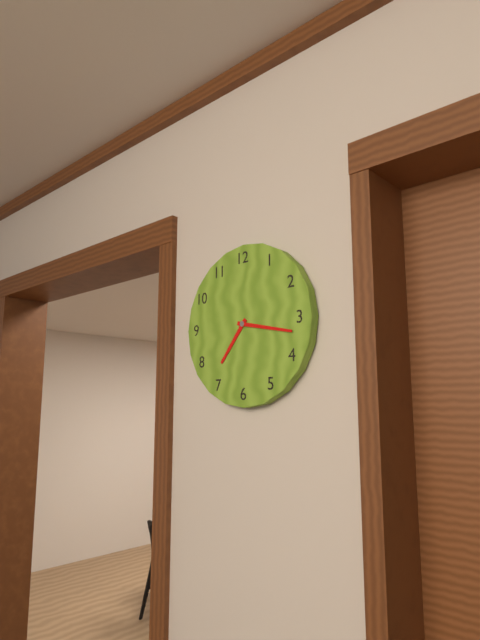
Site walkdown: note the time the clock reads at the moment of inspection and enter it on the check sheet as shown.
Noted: 7:17
